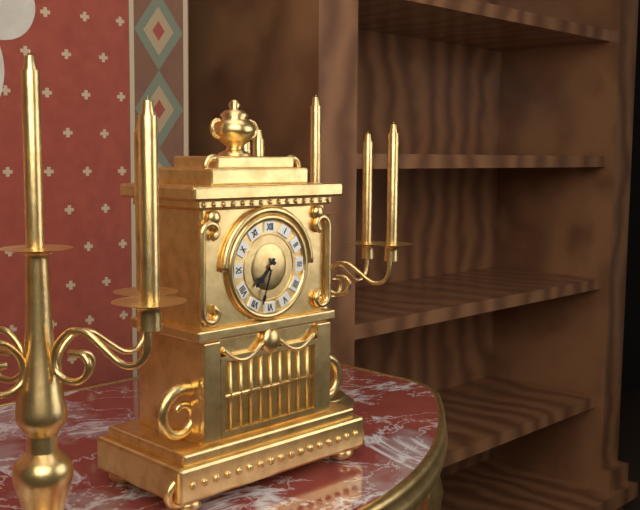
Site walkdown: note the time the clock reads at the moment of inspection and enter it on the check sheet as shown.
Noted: 7:33
